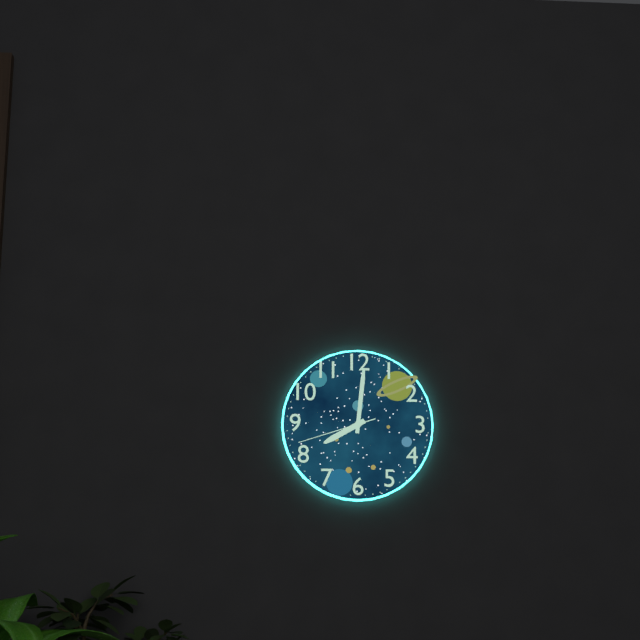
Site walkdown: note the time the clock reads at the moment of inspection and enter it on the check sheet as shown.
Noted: 8:01:42
